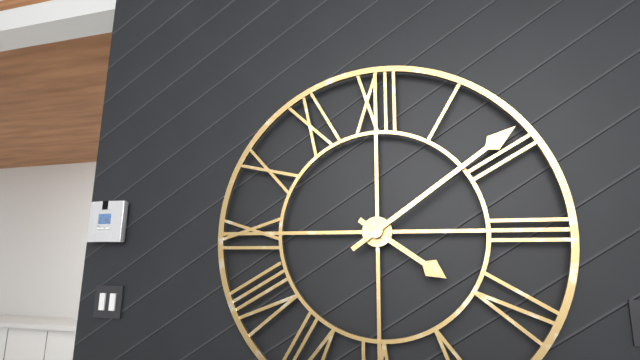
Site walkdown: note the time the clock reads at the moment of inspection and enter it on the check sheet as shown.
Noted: 4:09
